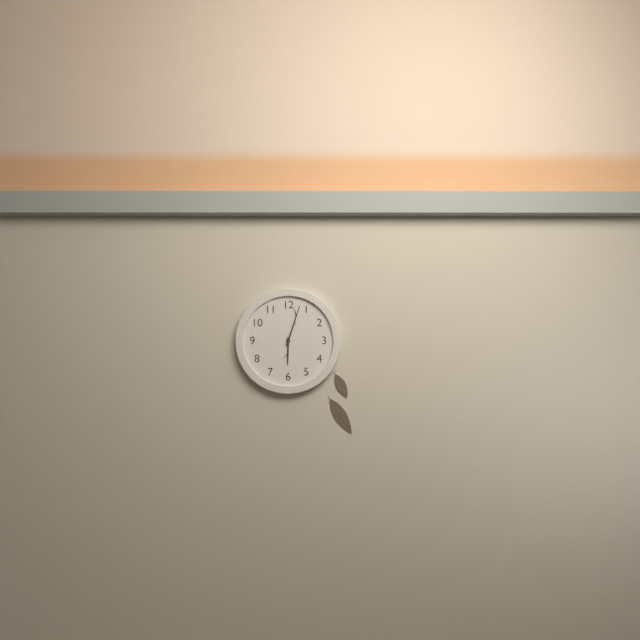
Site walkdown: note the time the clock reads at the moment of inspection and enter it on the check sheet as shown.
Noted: 6:03
